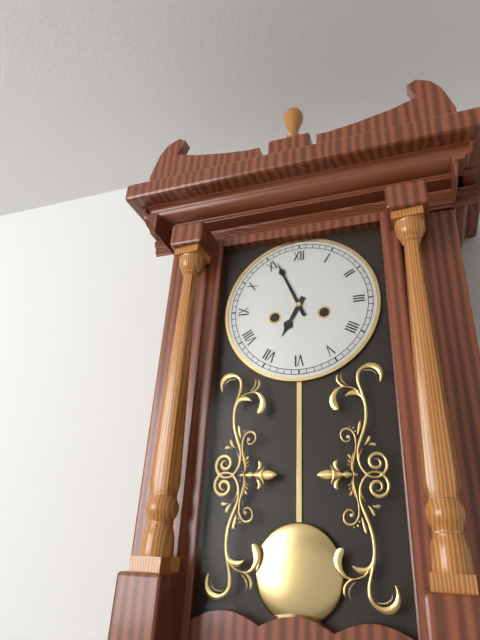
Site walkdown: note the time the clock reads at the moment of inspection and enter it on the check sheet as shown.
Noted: 6:56
